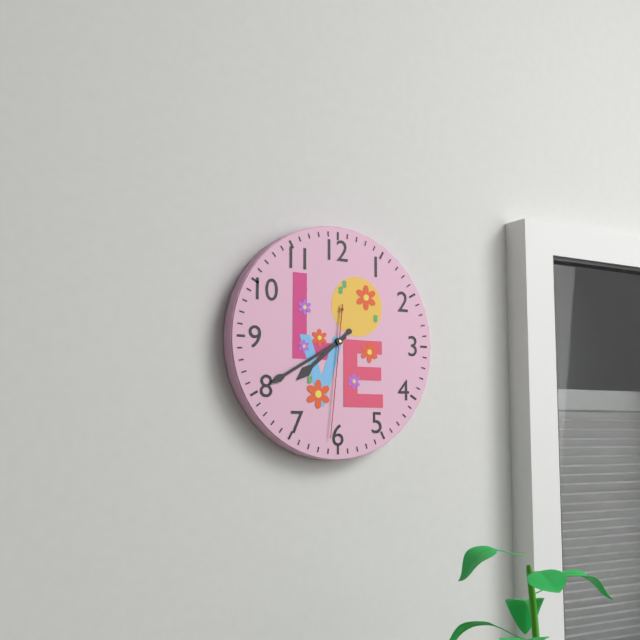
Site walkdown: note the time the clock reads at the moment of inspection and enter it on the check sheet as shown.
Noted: 7:40:31
